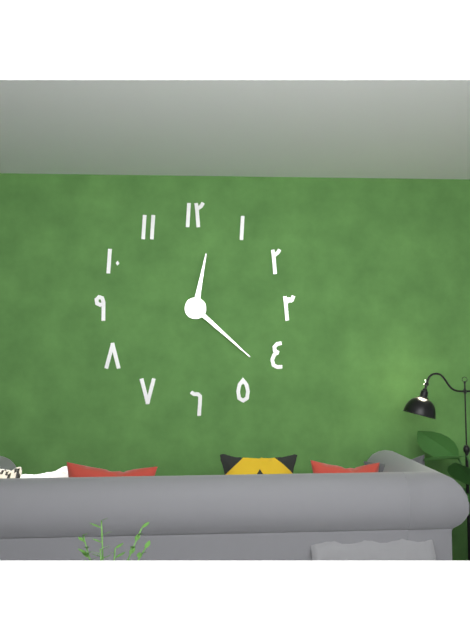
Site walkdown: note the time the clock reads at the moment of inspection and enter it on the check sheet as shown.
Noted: 12:22
